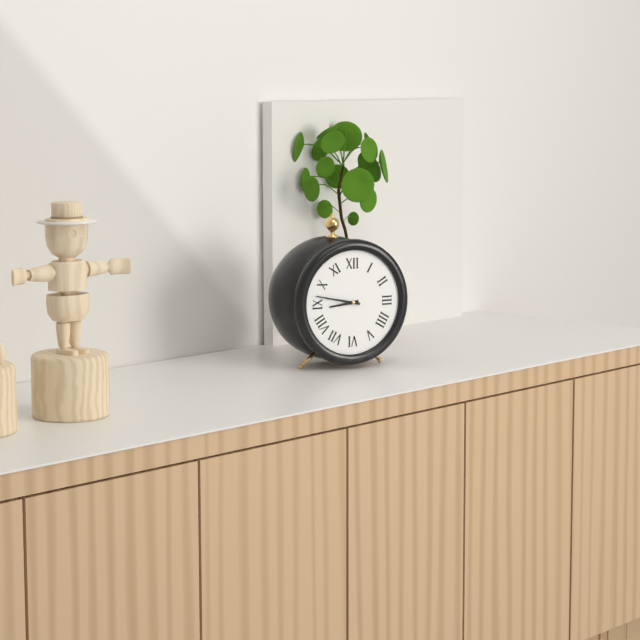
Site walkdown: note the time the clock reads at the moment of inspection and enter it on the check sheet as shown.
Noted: 8:47
